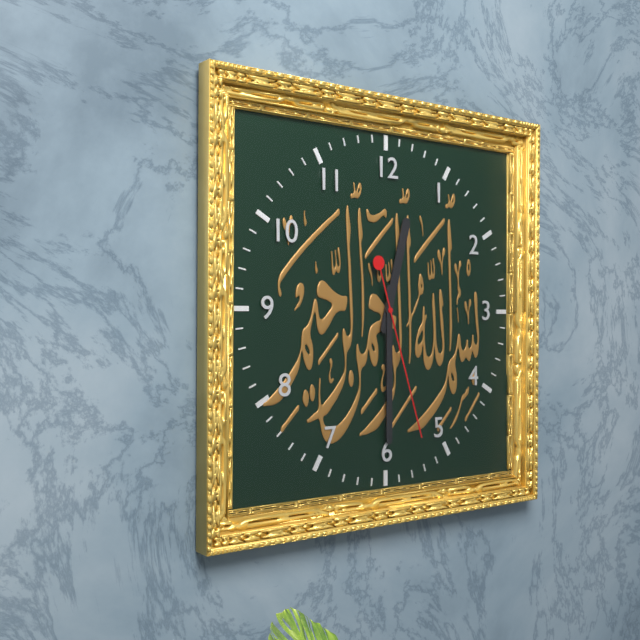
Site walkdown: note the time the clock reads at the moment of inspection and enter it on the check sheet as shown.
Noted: 12:30:27
